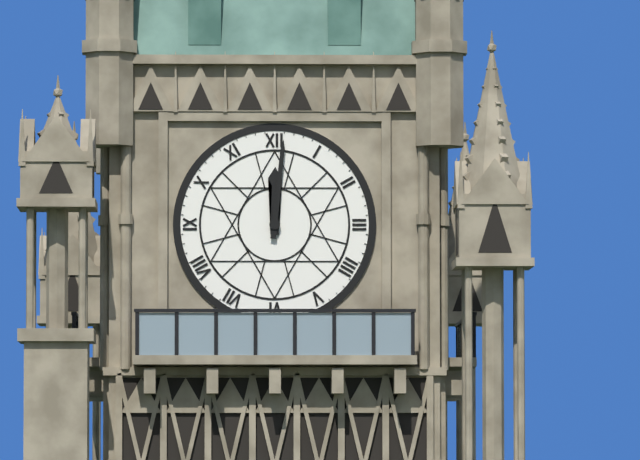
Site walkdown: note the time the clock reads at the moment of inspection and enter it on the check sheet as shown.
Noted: 12:01
